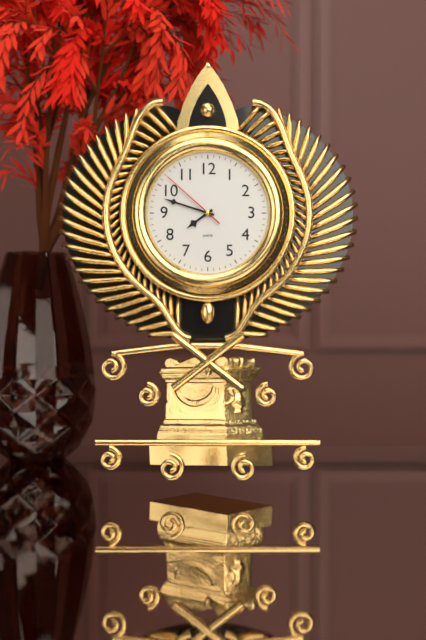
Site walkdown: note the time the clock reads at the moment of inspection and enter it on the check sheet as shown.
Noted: 7:48:52
